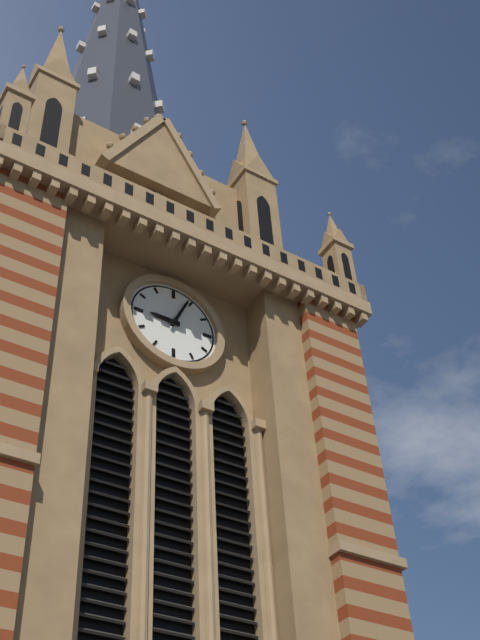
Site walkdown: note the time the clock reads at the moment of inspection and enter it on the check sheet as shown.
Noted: 9:04
